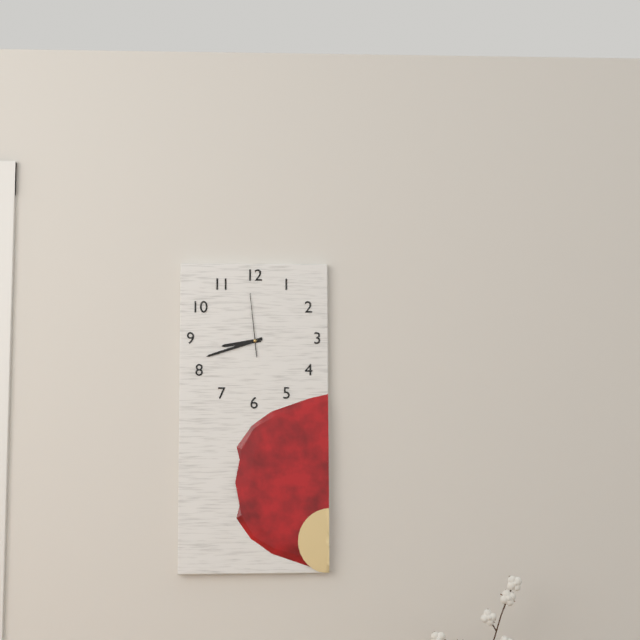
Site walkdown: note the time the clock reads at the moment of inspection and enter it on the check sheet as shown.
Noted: 8:42:59
